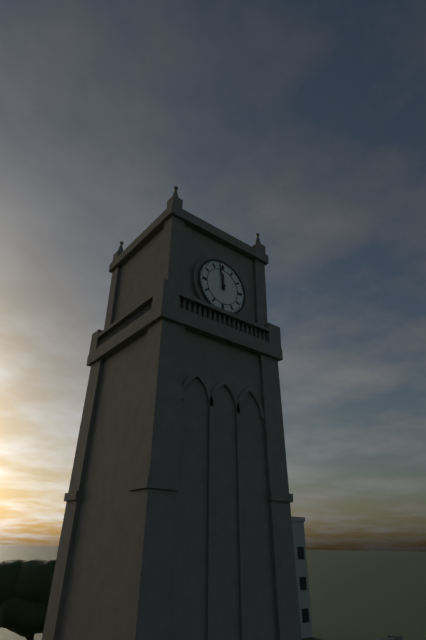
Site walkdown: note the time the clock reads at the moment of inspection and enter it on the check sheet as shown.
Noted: 11:58
